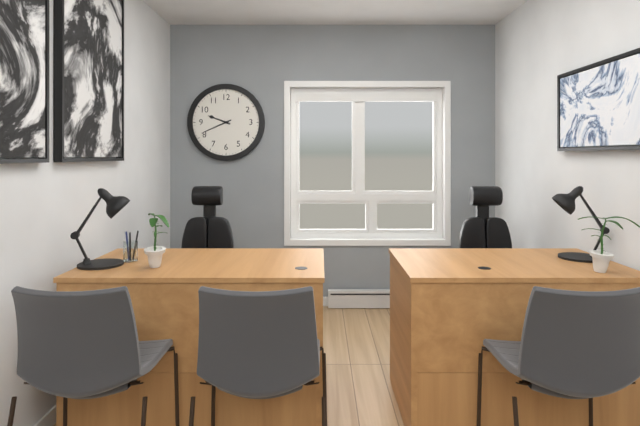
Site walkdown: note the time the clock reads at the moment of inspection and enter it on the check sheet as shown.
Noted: 9:41
